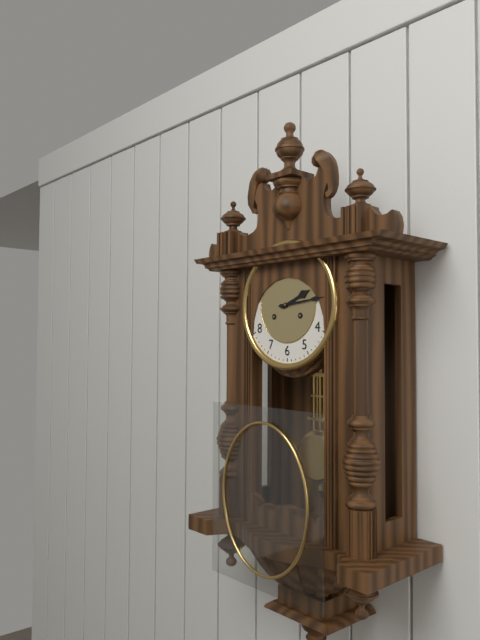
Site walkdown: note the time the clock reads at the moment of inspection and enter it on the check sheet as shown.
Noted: 2:14
